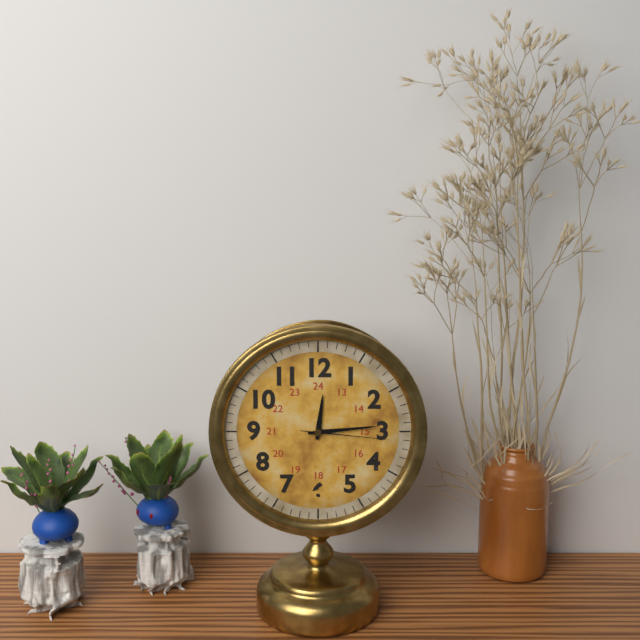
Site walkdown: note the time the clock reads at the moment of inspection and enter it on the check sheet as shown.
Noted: 12:14:16
